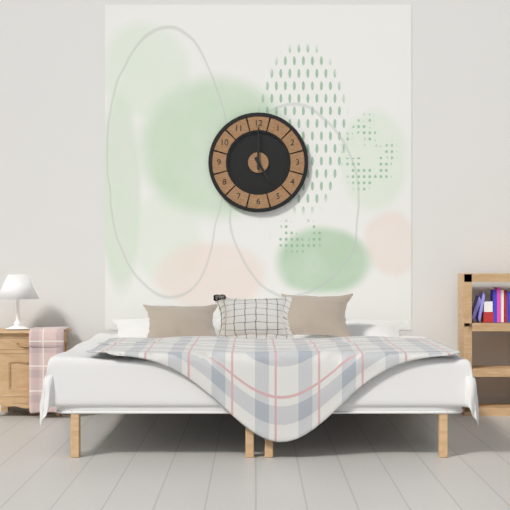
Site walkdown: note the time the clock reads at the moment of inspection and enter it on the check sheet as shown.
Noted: 5:00
